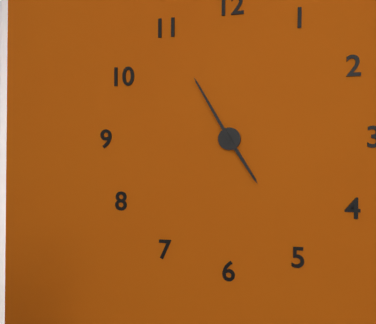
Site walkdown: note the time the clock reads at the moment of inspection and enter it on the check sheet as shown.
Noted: 4:55
